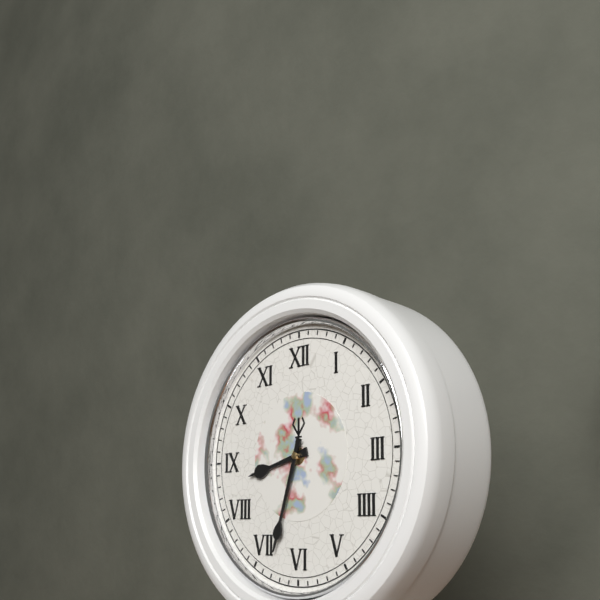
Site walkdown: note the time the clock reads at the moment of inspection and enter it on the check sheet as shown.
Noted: 8:33
